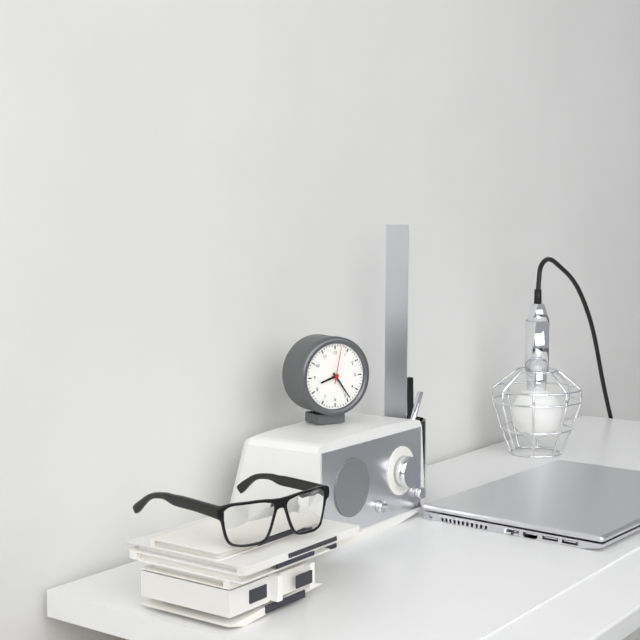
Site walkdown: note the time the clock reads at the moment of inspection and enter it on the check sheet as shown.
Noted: 8:24
